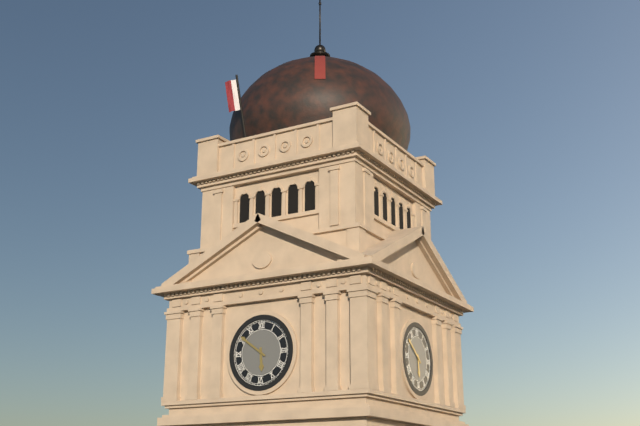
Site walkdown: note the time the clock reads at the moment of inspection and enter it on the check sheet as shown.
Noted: 5:51
